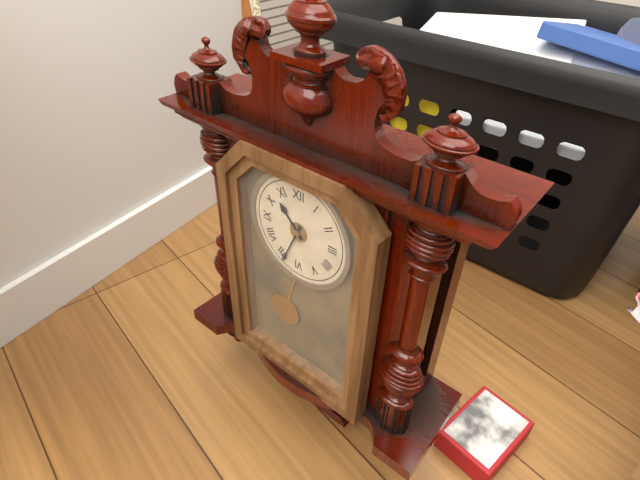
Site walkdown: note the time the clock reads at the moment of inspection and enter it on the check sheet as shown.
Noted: 10:34
